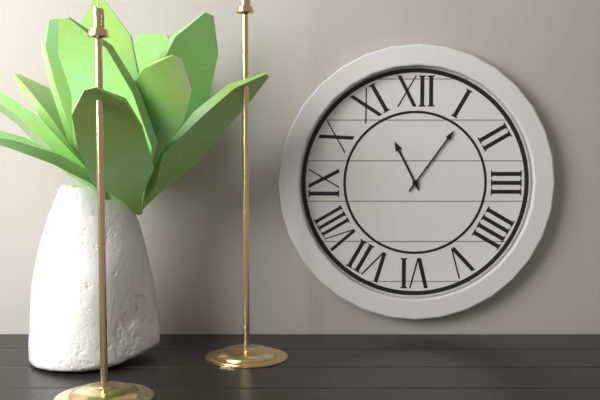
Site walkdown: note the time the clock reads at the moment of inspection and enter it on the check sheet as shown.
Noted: 11:06
